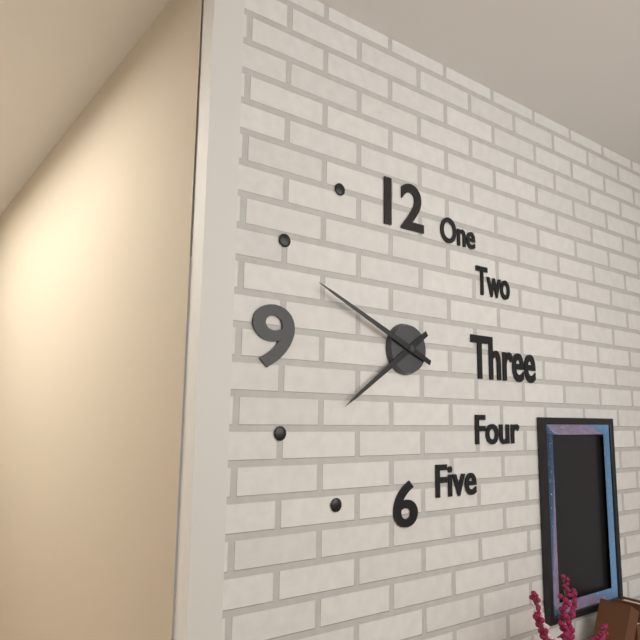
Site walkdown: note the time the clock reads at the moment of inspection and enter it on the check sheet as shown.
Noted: 7:49
